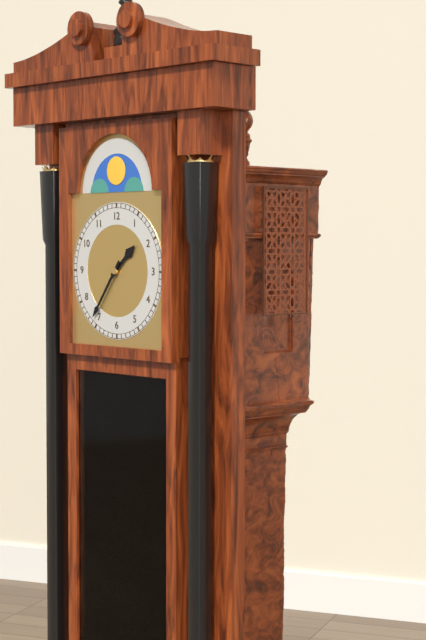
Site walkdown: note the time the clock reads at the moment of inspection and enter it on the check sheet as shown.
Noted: 1:36
